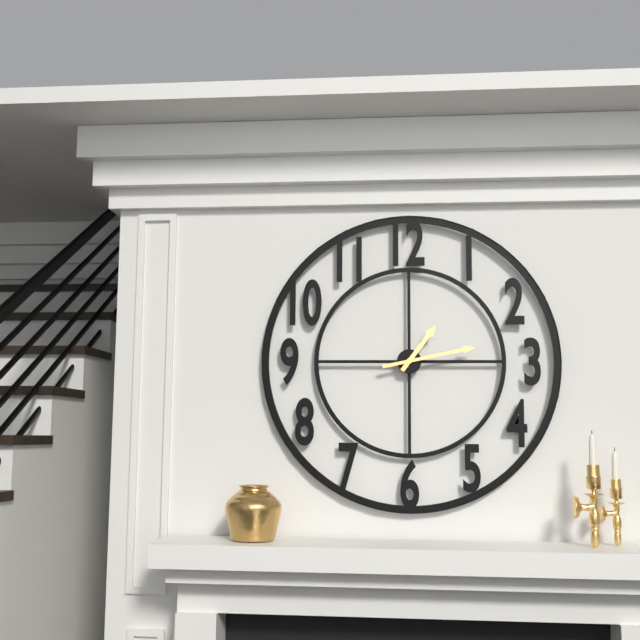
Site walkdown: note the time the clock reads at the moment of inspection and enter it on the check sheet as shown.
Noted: 1:13
